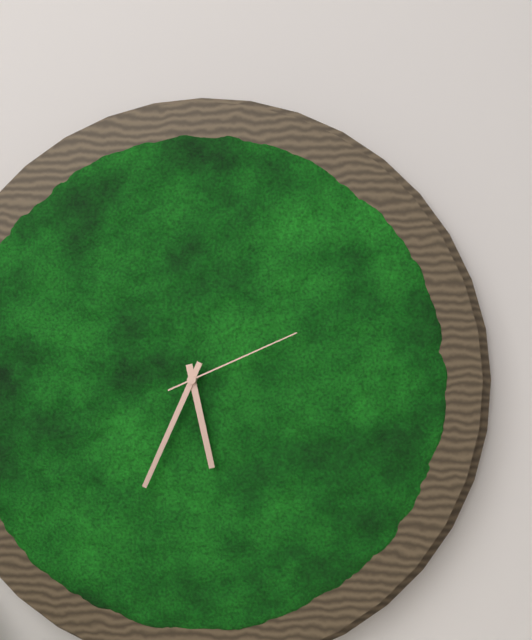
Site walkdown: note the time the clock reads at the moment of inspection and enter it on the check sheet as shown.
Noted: 5:34:11
